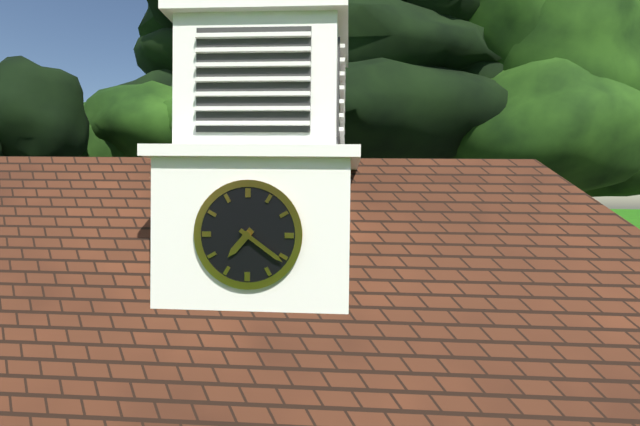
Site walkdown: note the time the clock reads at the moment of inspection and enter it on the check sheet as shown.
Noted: 7:21
